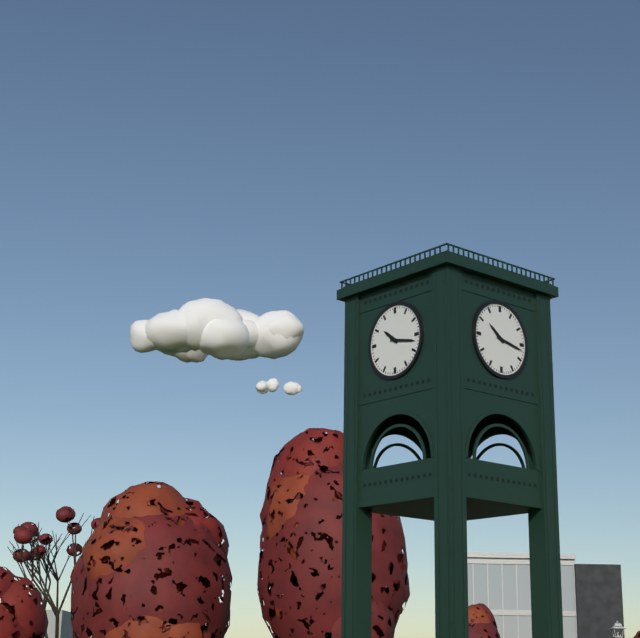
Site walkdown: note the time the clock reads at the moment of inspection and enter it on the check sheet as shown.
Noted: 10:17
